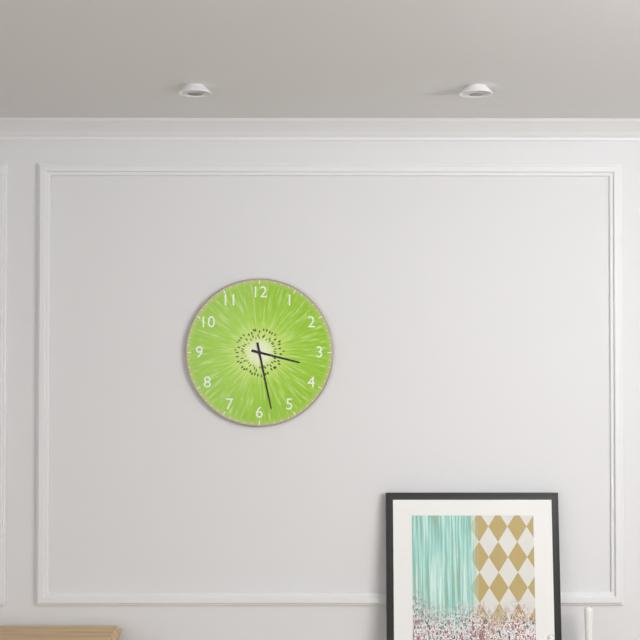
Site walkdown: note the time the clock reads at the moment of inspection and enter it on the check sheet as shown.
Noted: 3:28
